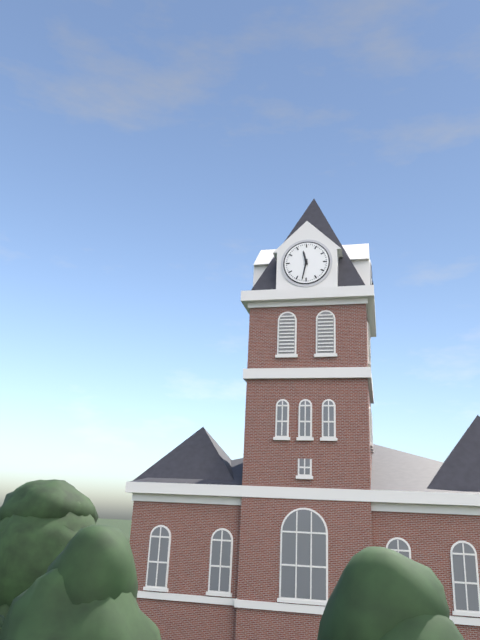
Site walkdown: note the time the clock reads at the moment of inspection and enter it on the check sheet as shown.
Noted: 11:32
